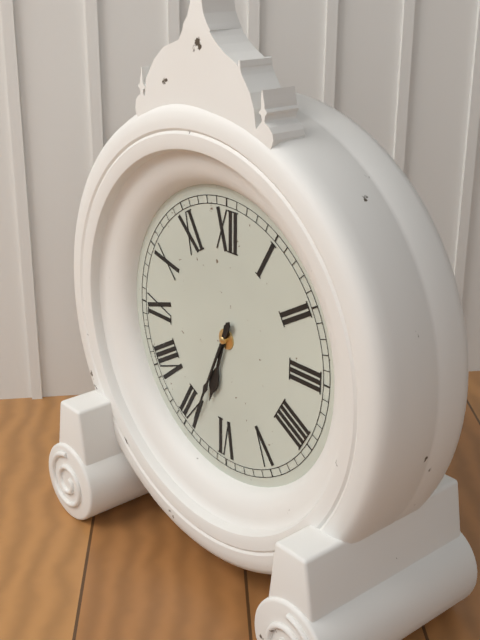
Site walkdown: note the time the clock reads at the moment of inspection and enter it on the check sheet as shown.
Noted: 6:34
